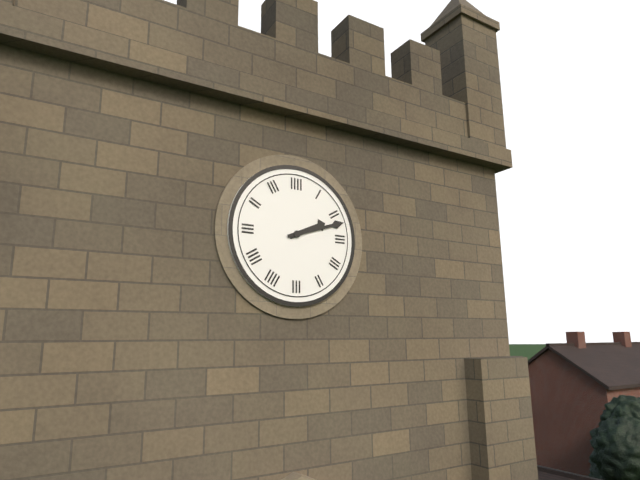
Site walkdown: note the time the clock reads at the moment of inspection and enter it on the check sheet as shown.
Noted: 2:12
